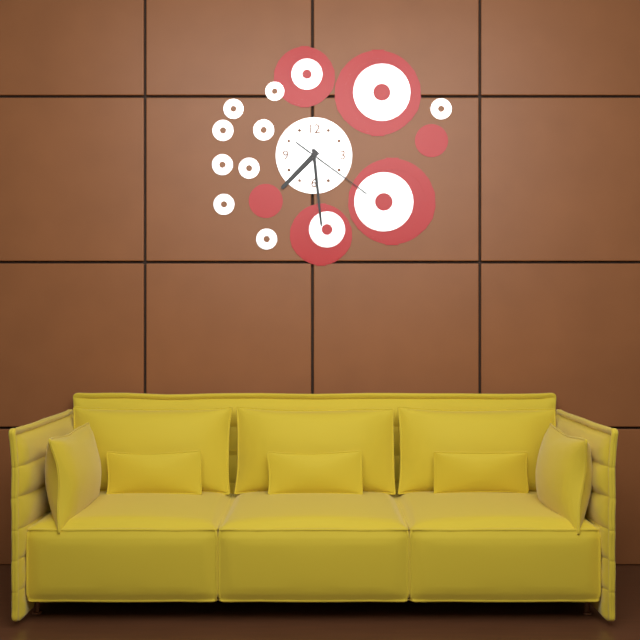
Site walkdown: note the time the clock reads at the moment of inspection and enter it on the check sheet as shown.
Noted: 7:29:21
